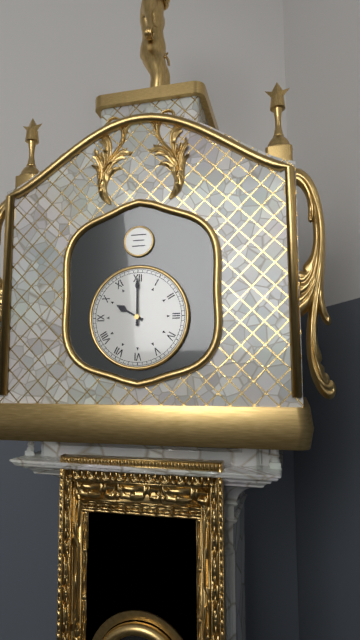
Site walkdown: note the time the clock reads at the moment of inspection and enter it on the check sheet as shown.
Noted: 10:00
